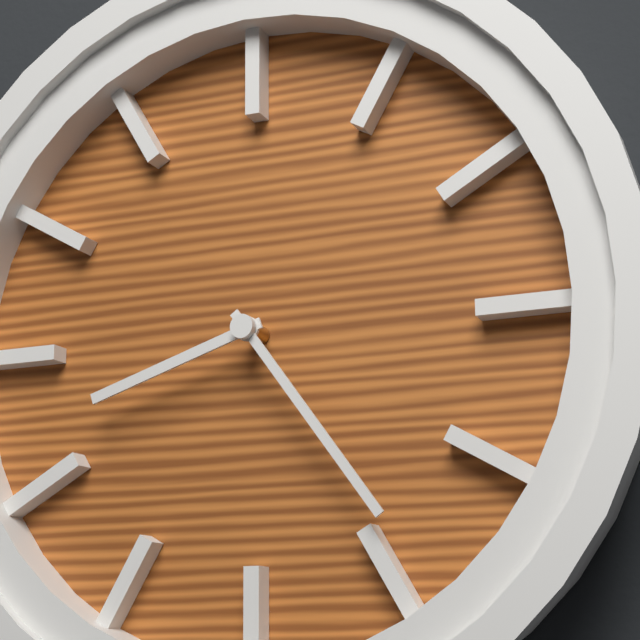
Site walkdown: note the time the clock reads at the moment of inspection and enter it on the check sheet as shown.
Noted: 8:24
